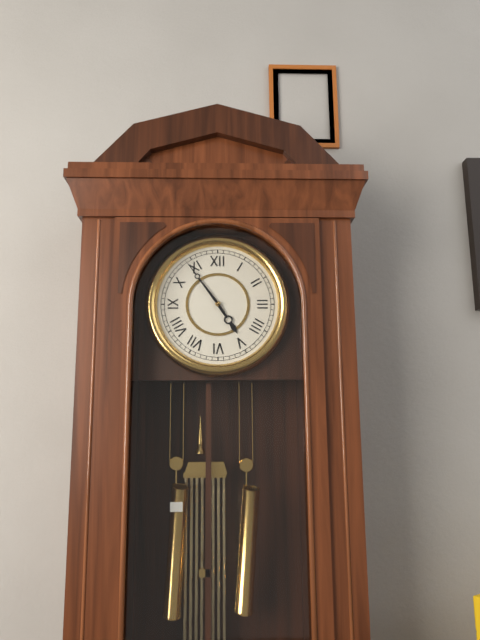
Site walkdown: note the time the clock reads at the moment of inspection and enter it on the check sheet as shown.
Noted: 4:54
